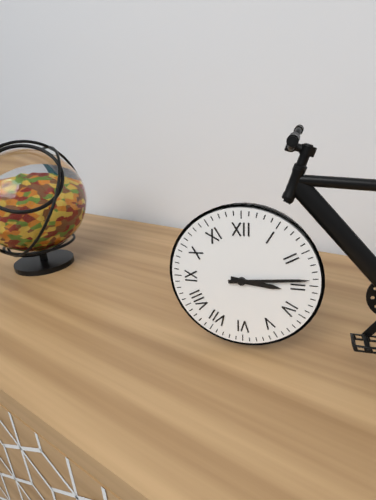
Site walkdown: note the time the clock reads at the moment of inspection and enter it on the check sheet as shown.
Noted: 3:14
